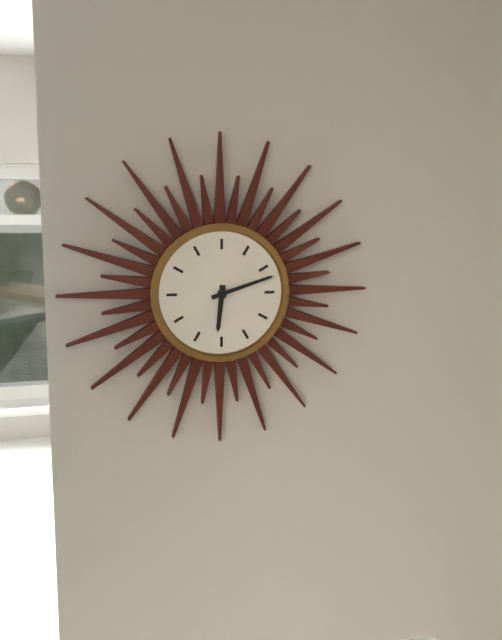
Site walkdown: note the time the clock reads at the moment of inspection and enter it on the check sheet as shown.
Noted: 6:12
